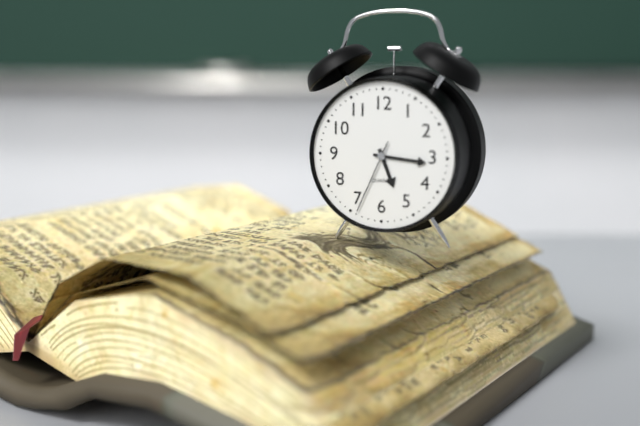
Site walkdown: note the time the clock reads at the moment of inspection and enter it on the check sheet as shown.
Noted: 5:16:34
